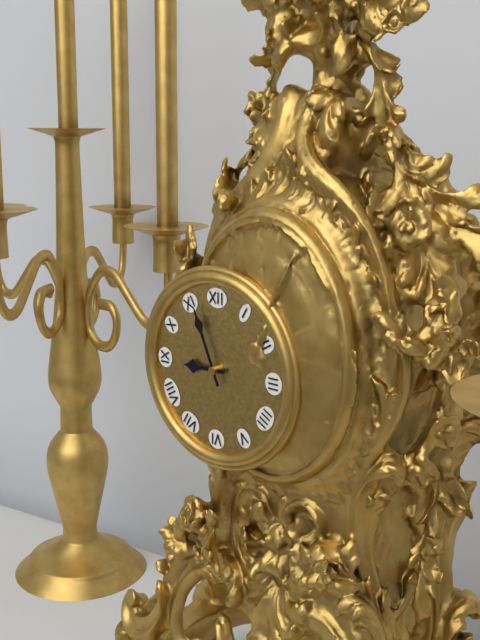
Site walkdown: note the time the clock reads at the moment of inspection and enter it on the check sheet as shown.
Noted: 8:56
